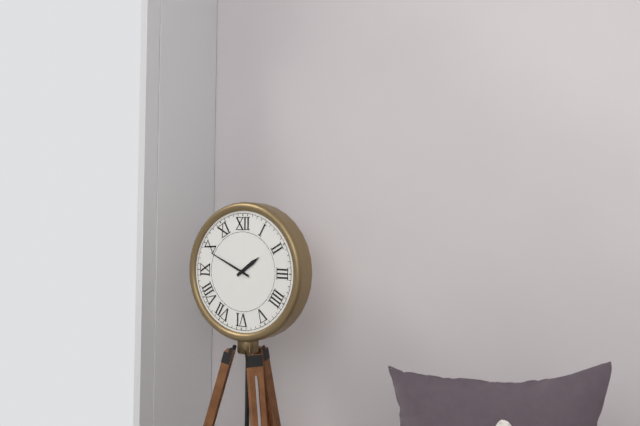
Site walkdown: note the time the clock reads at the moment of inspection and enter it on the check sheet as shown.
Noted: 1:49
